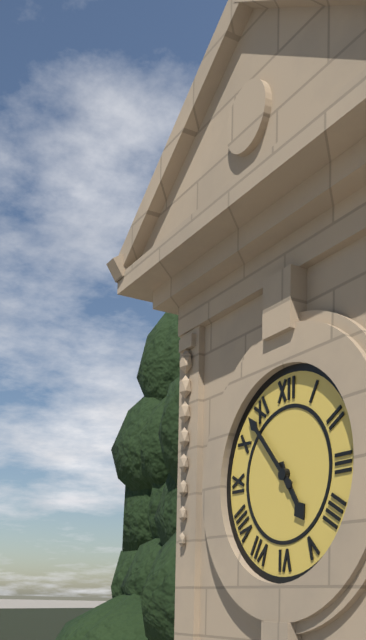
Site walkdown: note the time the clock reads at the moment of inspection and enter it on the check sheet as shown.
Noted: 4:53
